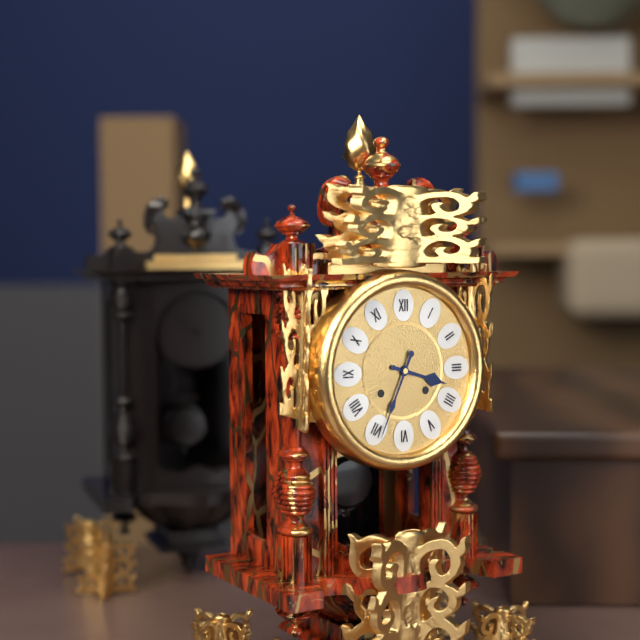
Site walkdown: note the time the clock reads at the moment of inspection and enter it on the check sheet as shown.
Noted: 3:34
